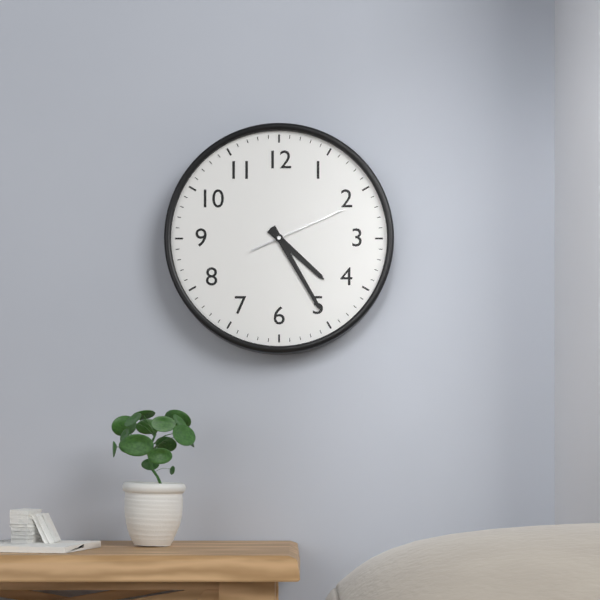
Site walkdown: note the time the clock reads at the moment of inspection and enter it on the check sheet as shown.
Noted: 4:25:11
